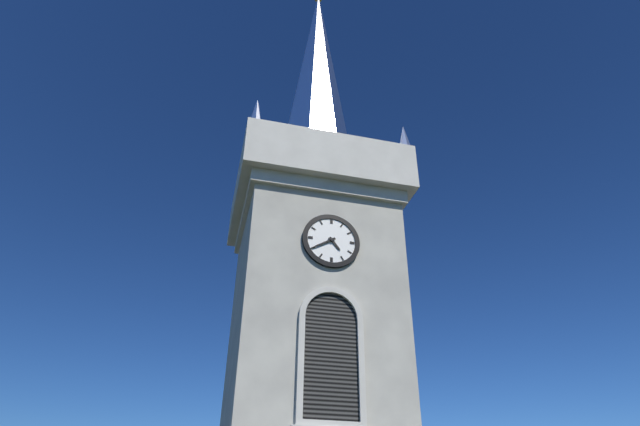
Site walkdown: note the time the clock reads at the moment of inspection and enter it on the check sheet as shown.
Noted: 4:40
